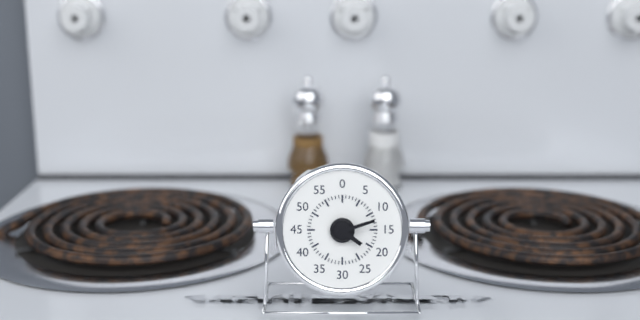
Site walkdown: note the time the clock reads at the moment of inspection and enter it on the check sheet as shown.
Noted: 4:12
